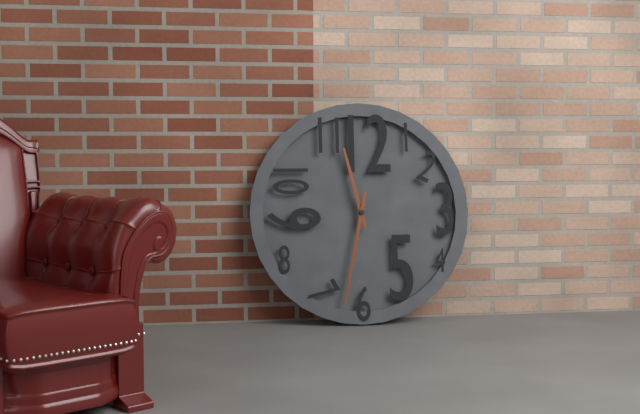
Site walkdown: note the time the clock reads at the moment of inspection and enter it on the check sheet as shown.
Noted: 11:32
